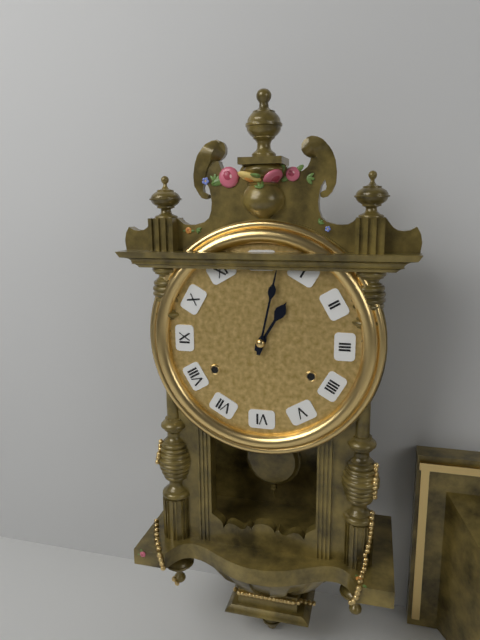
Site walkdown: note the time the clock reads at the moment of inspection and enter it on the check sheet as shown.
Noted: 1:02
